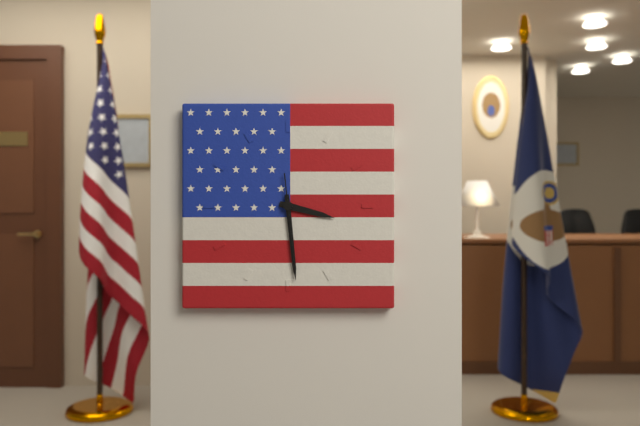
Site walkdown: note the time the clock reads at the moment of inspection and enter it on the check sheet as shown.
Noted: 3:29:29
